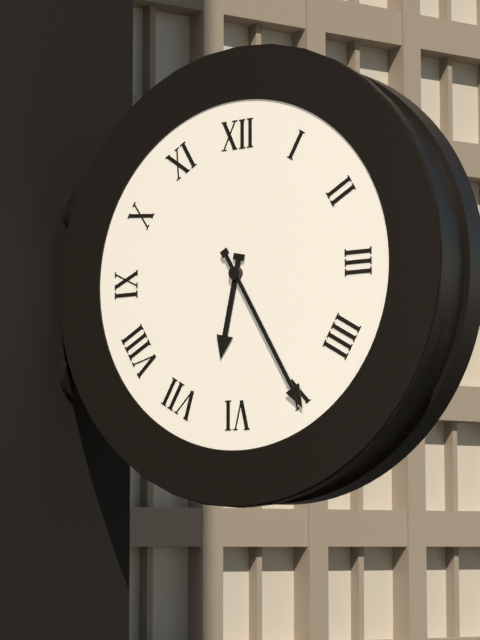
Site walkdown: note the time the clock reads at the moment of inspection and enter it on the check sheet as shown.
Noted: 6:25
